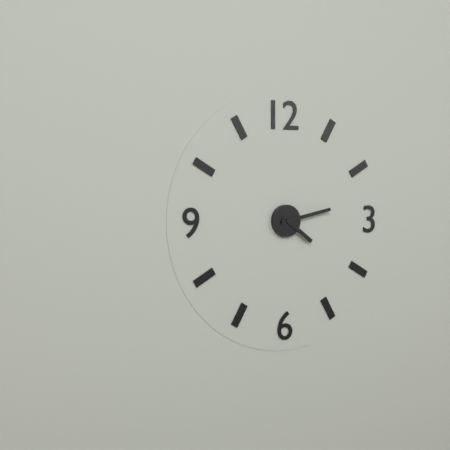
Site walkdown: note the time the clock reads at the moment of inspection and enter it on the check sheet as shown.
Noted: 4:13
